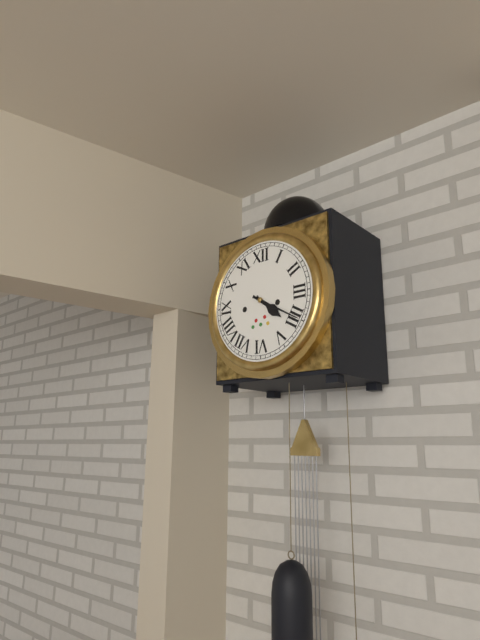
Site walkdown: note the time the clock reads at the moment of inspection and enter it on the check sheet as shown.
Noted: 4:20
